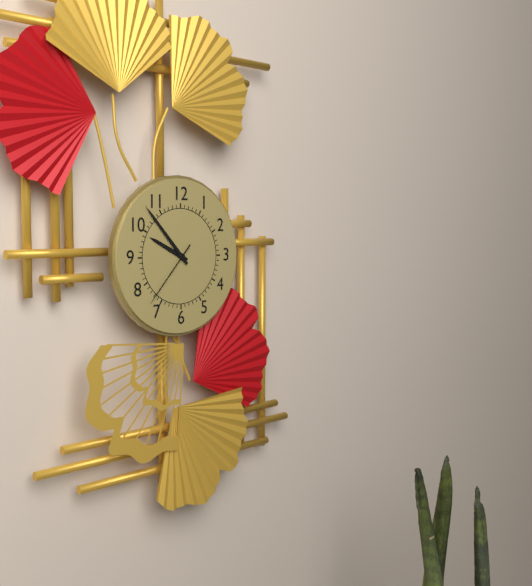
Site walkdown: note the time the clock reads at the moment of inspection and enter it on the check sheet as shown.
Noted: 9:53:37
